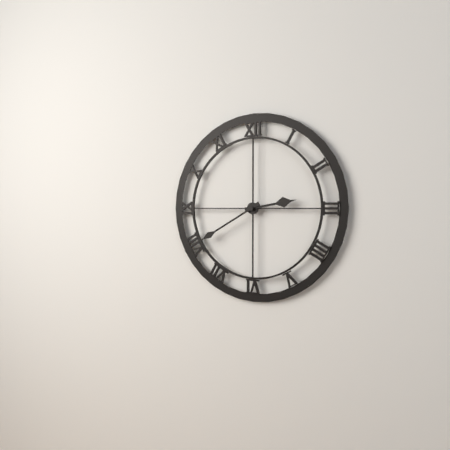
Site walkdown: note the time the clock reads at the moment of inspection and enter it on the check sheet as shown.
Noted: 2:40
